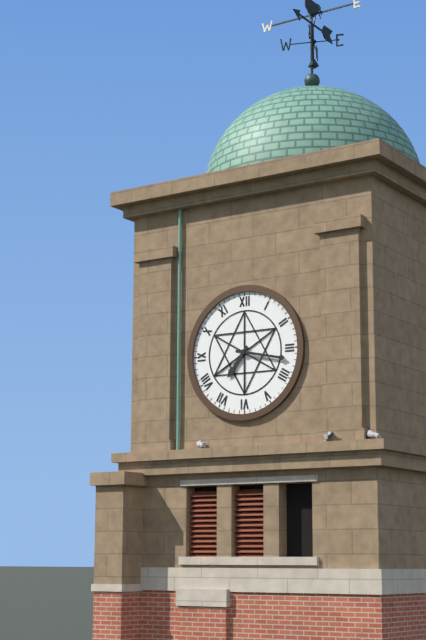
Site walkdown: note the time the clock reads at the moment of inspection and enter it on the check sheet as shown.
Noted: 7:17
